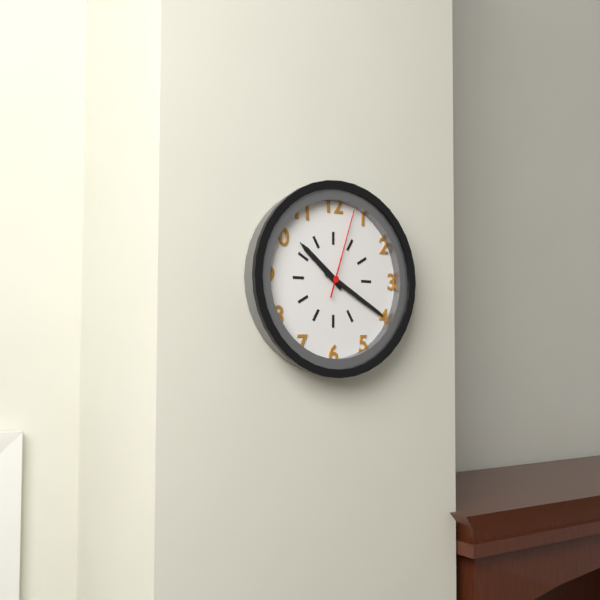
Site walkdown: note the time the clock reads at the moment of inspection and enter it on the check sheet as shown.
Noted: 10:20:03
